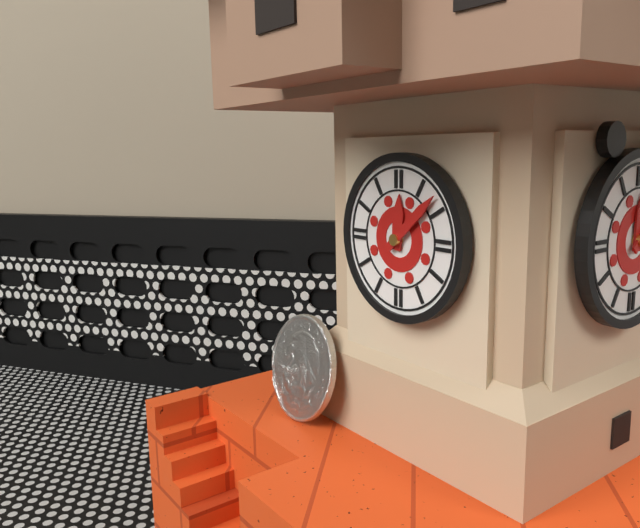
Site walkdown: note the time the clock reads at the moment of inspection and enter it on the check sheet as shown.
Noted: 12:08
